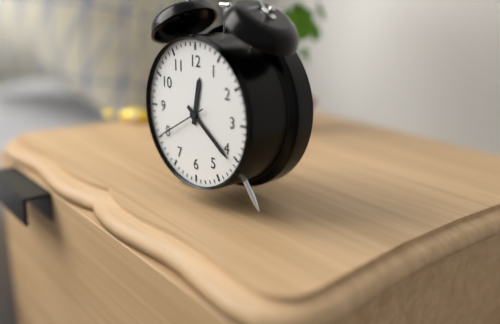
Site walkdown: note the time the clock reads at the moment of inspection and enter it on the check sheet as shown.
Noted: 12:21
